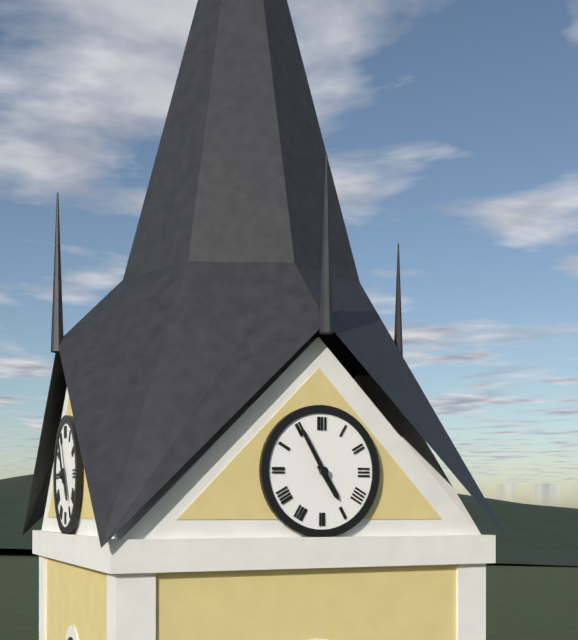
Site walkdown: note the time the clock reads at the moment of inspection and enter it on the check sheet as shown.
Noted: 4:55
